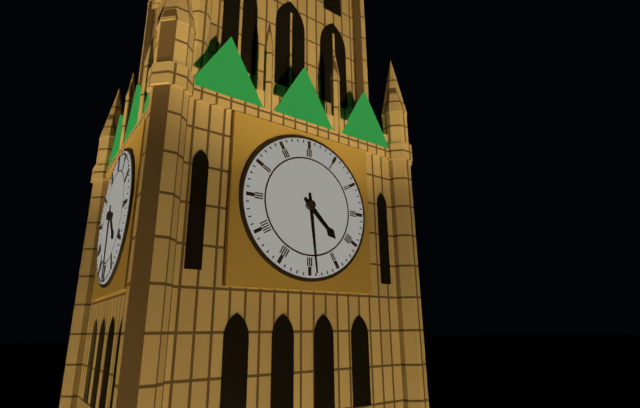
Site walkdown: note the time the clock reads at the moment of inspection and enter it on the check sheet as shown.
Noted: 4:29
